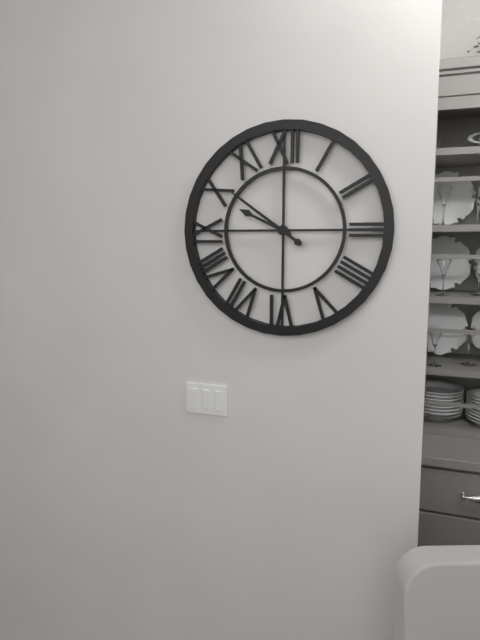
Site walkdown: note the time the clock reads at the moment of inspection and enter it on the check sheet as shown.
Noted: 9:51
